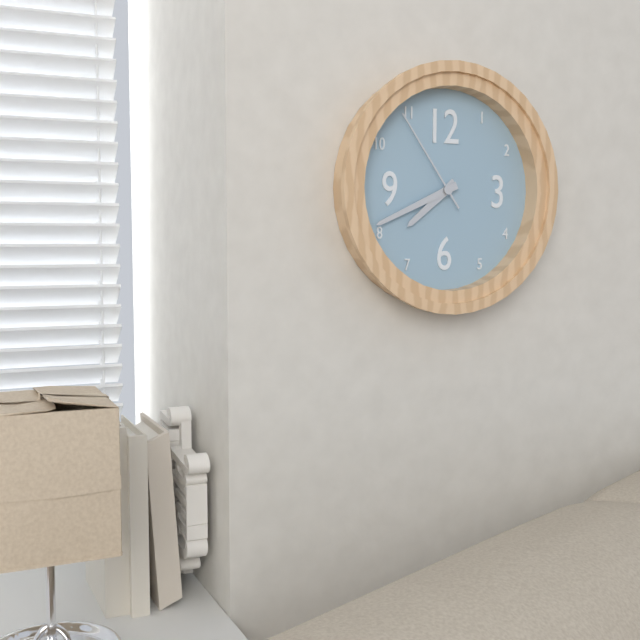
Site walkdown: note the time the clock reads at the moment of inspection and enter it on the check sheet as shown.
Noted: 7:41:54
